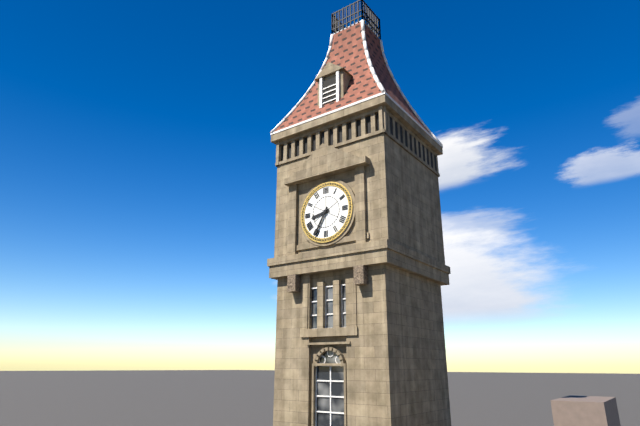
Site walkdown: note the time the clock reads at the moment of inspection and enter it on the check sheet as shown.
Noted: 8:35
